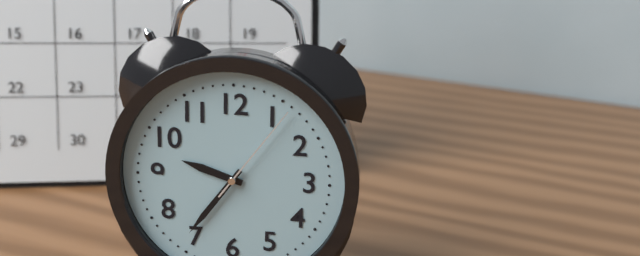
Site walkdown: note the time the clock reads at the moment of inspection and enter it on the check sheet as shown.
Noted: 9:36:06
